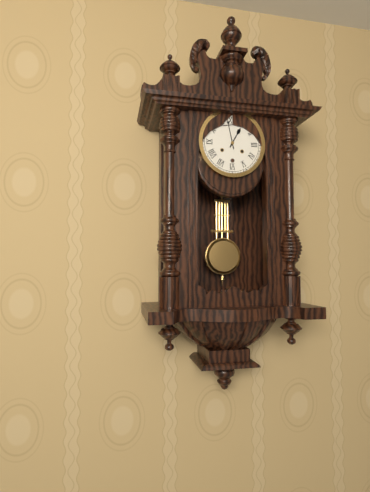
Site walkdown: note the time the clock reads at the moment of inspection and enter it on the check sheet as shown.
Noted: 12:58
